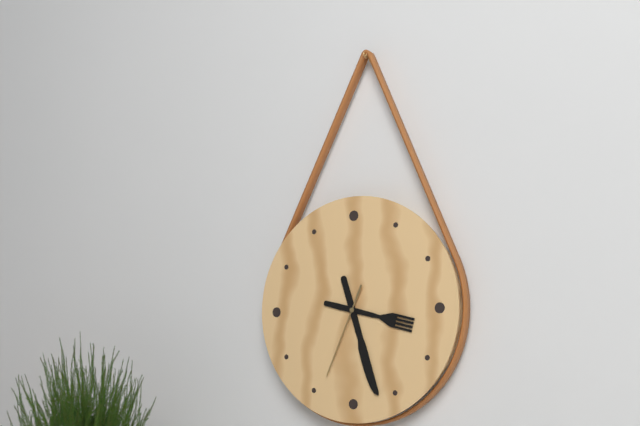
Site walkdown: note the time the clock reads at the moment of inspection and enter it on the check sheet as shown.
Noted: 3:27:34
